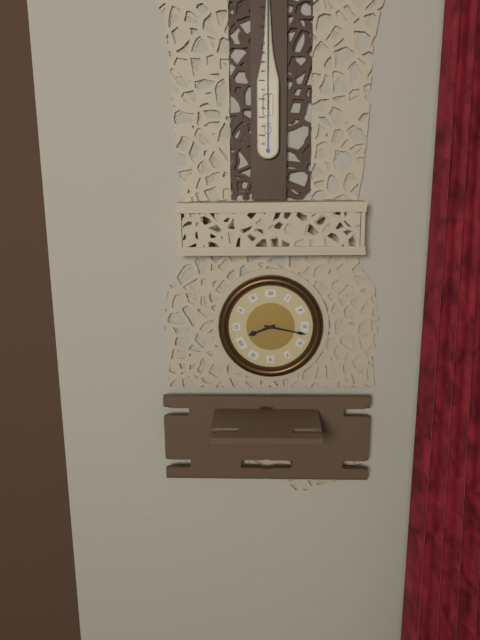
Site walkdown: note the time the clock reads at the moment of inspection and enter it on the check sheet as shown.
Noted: 8:17
